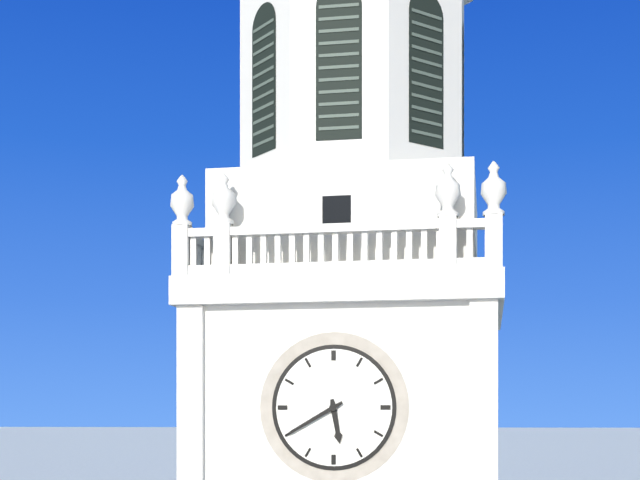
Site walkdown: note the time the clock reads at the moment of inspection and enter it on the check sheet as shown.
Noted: 5:40
